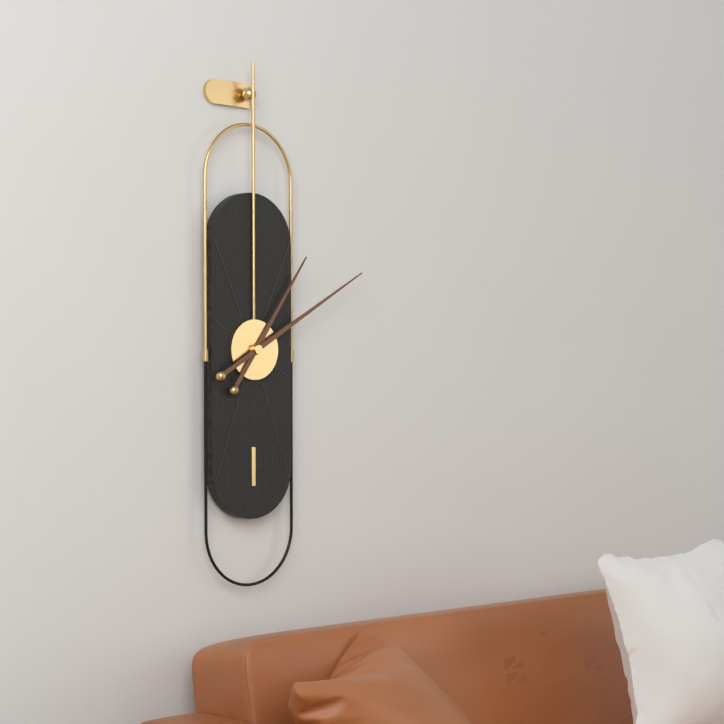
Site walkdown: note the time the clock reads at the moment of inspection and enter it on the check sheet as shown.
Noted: 1:10
